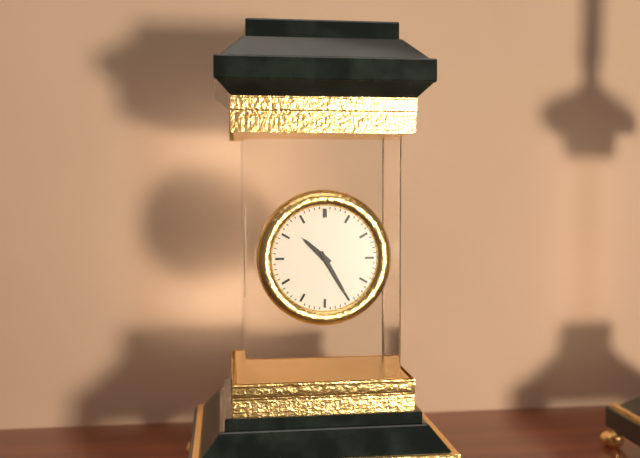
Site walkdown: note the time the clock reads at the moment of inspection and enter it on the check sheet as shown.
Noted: 10:25
